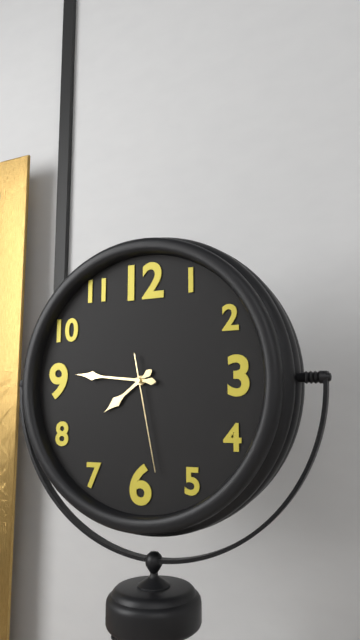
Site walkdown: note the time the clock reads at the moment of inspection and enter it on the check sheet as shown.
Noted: 7:46:28
